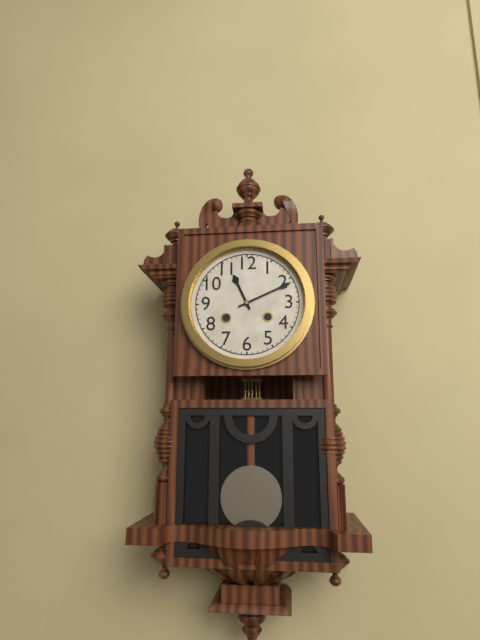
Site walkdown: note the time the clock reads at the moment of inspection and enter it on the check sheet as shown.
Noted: 11:11
